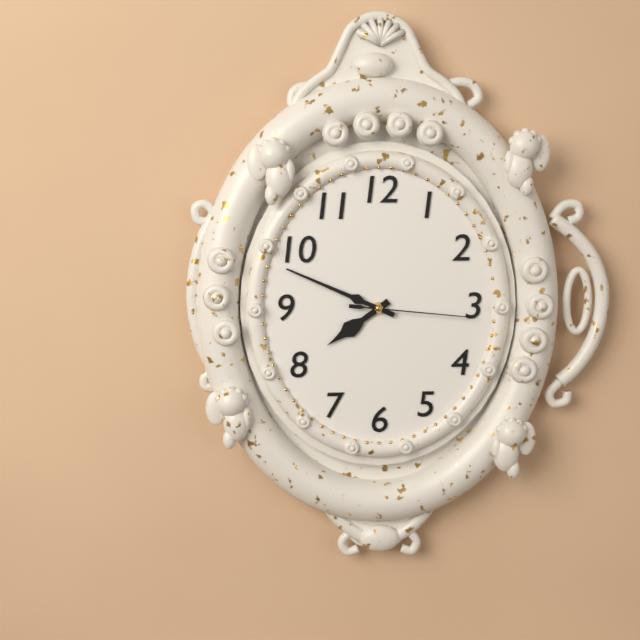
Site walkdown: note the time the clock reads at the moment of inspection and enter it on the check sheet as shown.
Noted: 7:49:16
